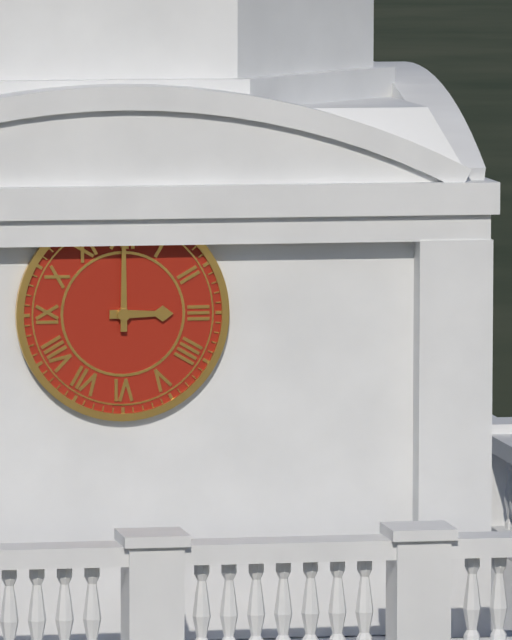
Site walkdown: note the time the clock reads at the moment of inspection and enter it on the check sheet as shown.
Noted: 3:00
